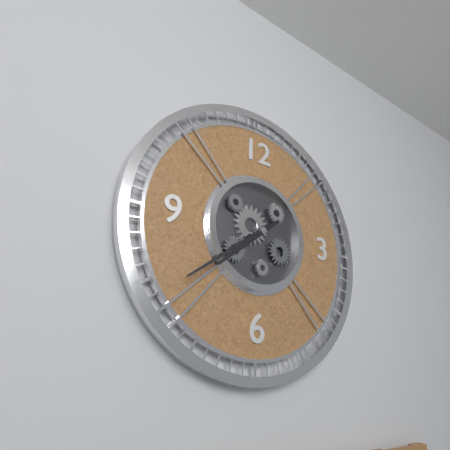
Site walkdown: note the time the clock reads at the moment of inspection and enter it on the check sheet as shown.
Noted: 7:39
